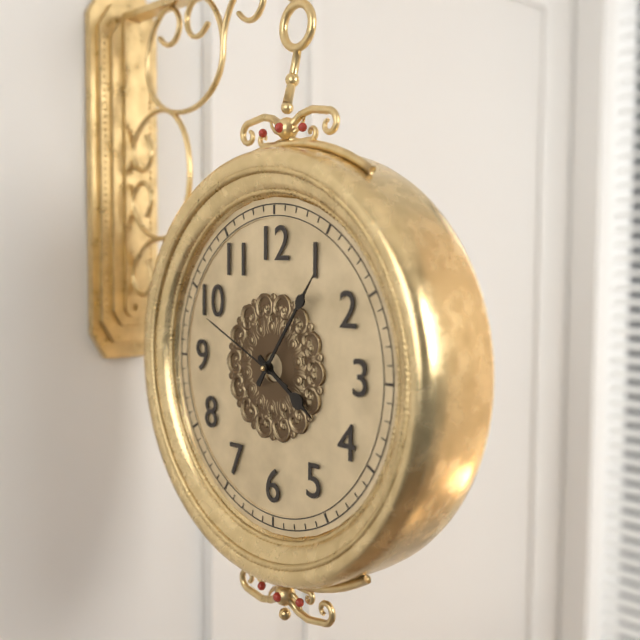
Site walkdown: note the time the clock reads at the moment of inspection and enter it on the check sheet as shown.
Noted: 4:06:49
